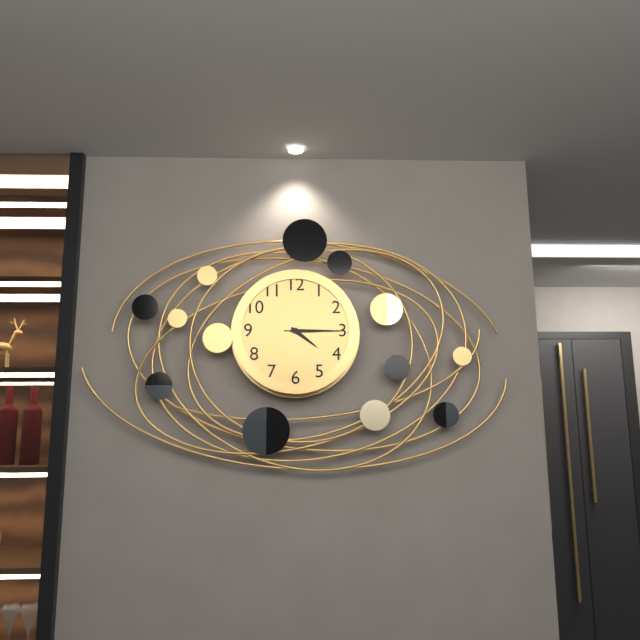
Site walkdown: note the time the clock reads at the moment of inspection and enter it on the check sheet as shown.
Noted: 4:15:15
